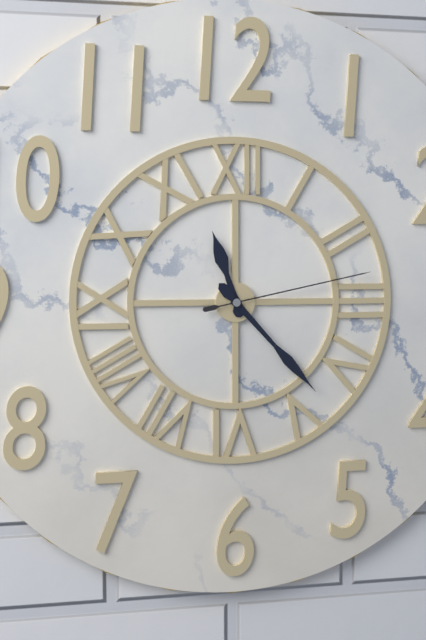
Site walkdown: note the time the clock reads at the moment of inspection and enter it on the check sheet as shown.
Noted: 11:23:13
